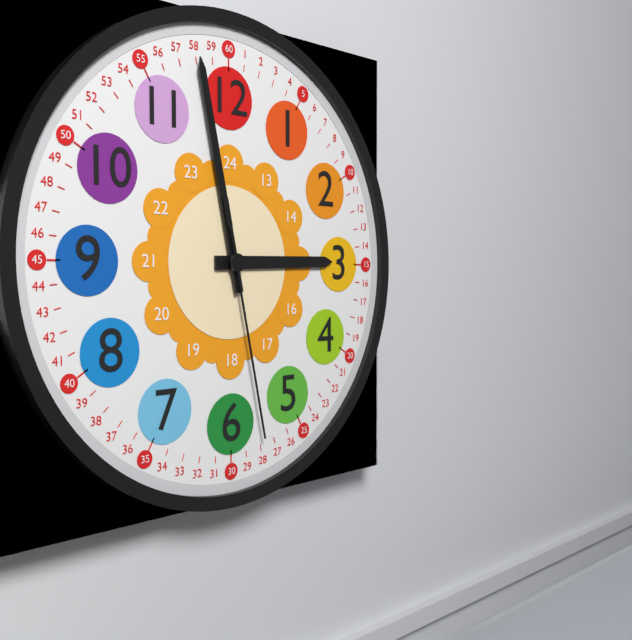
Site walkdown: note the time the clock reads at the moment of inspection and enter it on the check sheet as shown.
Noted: 2:58:28
